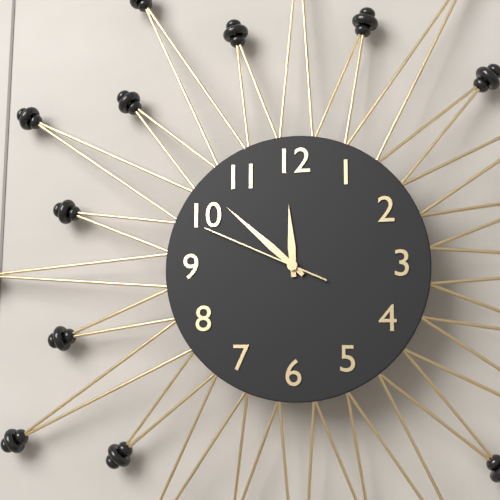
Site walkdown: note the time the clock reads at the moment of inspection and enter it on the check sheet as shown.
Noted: 11:52:49
